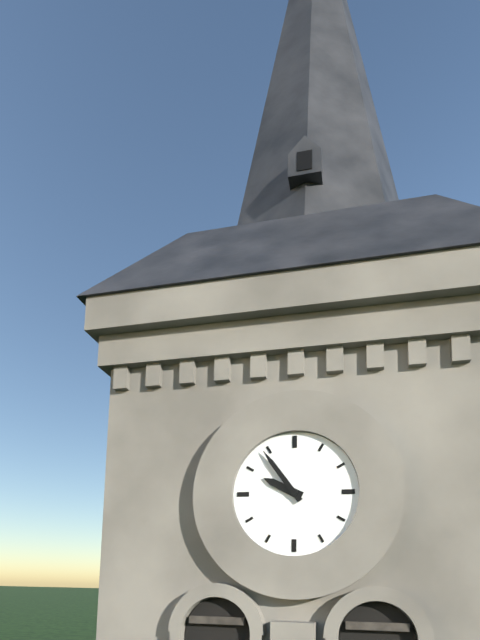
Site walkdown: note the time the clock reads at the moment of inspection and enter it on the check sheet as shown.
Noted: 9:54
